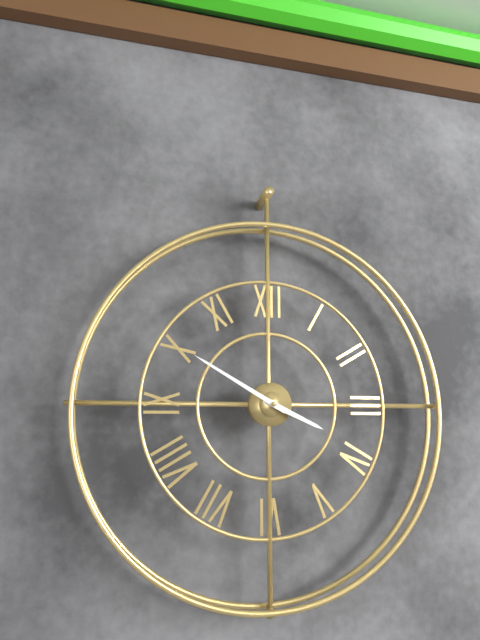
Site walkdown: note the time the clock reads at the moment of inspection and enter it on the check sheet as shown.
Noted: 3:50
